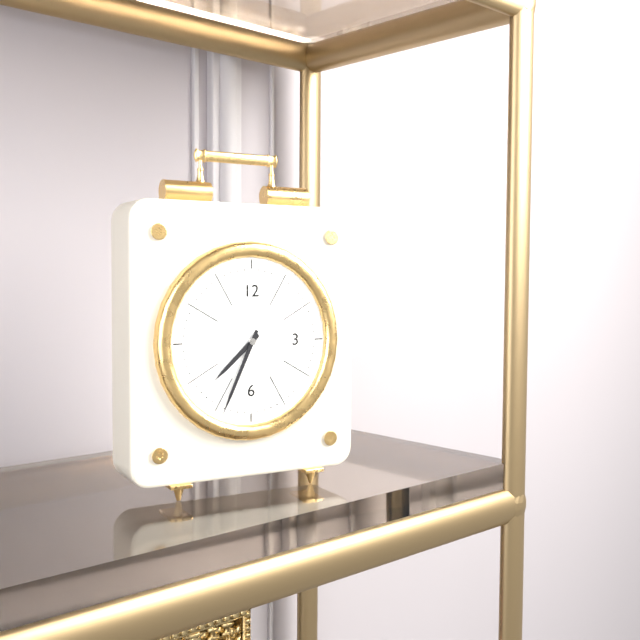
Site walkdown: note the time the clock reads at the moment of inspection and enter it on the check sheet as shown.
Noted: 7:34
